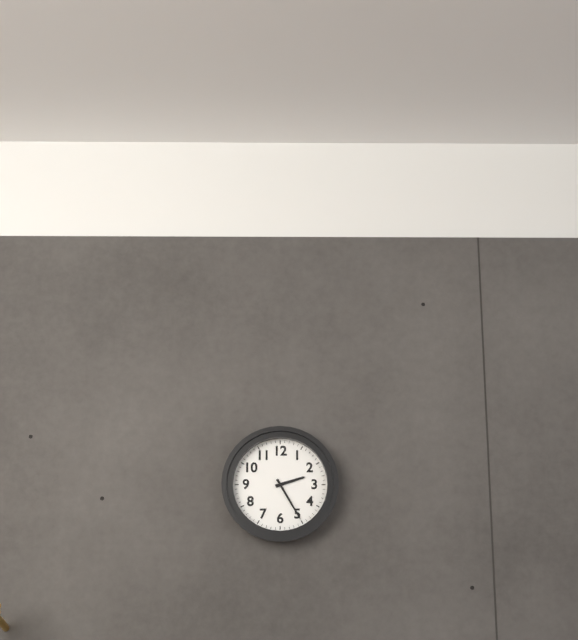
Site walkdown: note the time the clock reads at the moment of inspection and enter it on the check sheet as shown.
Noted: 2:25
